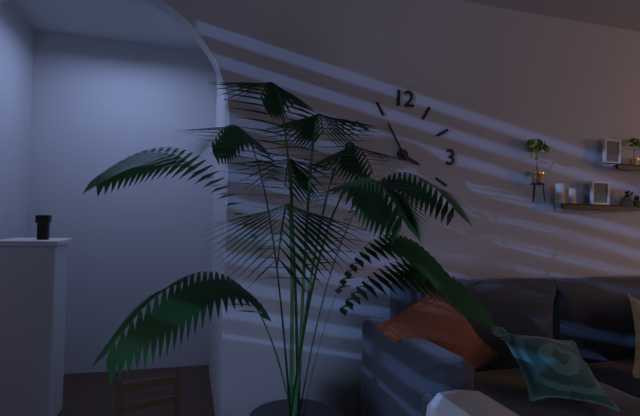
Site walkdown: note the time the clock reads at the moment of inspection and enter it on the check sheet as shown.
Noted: 3:55
